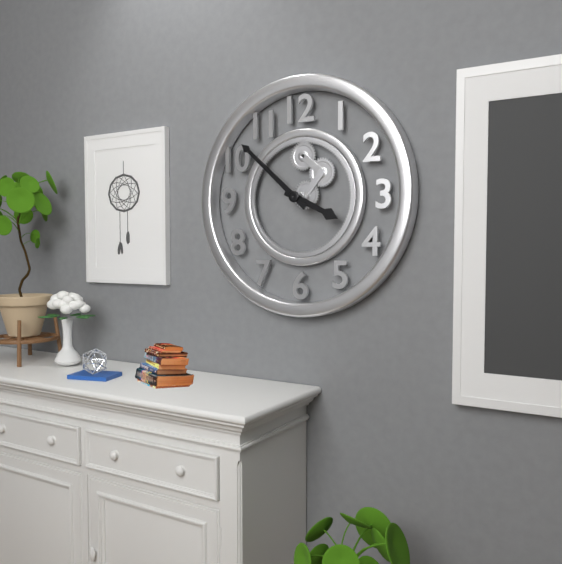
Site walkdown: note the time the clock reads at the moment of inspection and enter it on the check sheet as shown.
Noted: 3:52
